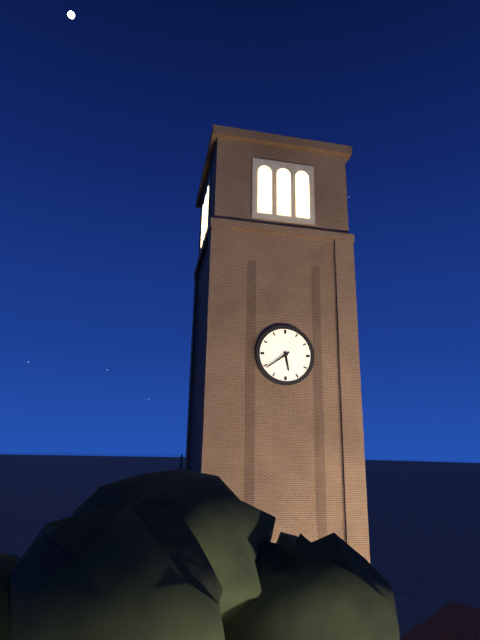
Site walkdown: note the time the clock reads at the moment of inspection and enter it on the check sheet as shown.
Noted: 5:39
